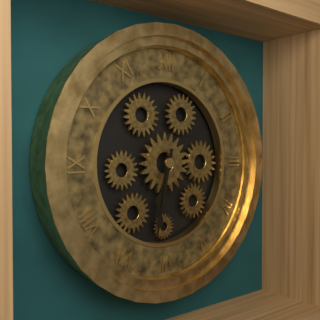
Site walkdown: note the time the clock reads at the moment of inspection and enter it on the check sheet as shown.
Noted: 6:32
